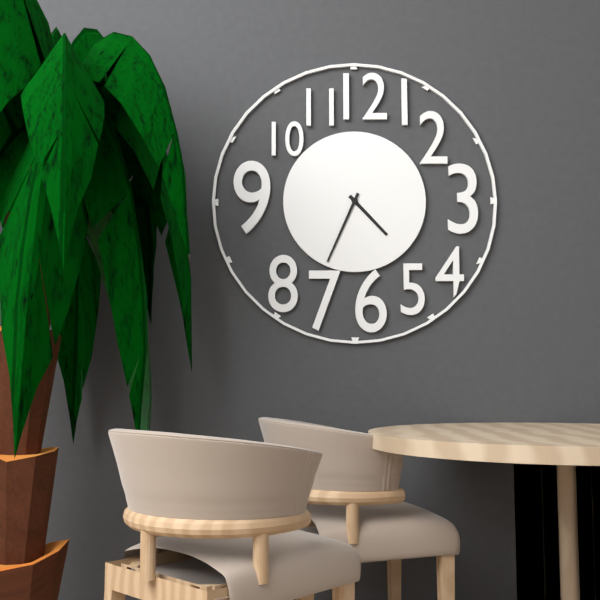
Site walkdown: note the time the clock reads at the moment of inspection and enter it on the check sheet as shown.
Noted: 4:34
